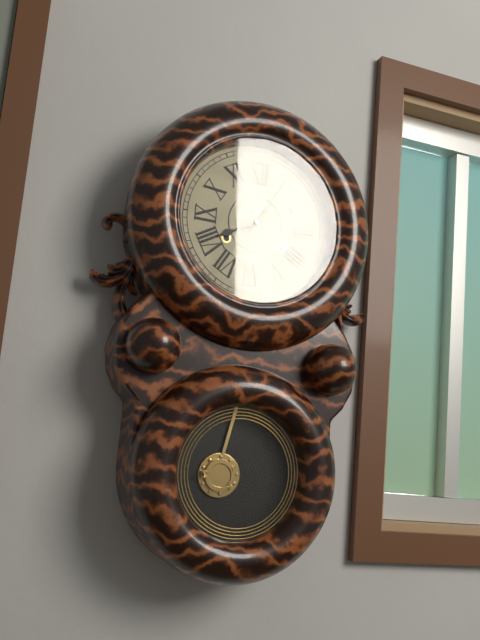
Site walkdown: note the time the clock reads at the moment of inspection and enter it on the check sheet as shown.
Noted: 8:05
